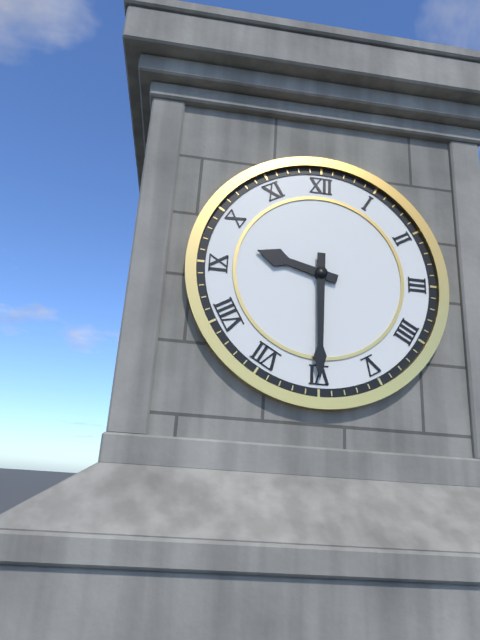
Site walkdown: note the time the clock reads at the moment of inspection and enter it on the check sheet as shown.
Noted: 9:30
